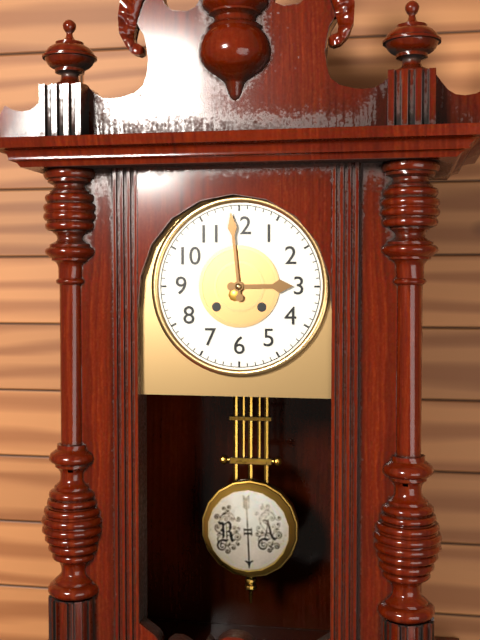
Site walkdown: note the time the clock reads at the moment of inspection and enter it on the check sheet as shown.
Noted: 2:59
